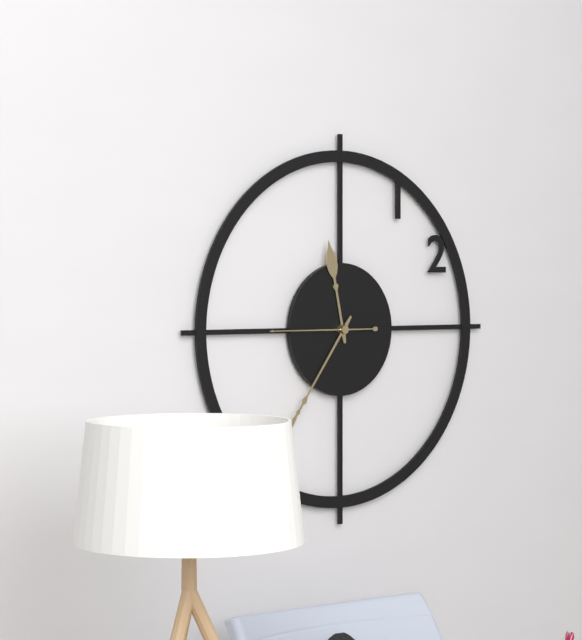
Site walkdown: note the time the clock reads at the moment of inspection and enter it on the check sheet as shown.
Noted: 11:36:45
